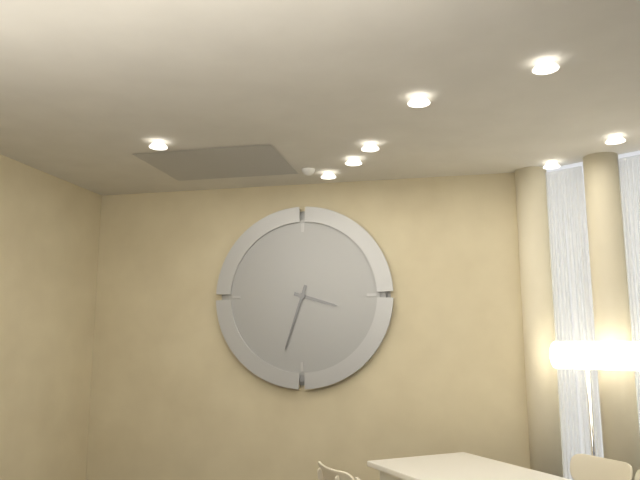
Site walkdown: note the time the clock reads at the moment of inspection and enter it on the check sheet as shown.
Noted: 3:33
